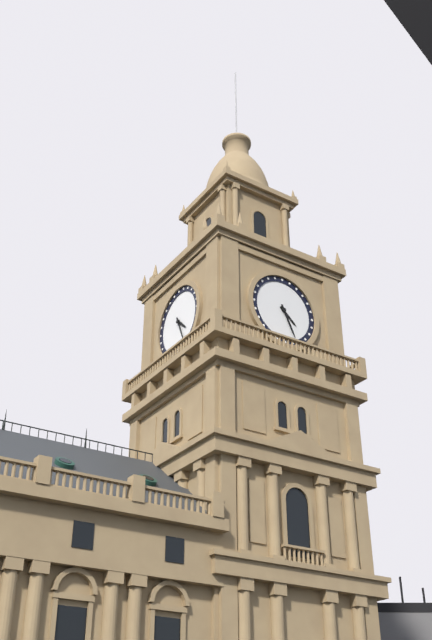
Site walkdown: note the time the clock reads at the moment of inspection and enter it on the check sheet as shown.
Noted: 4:26
